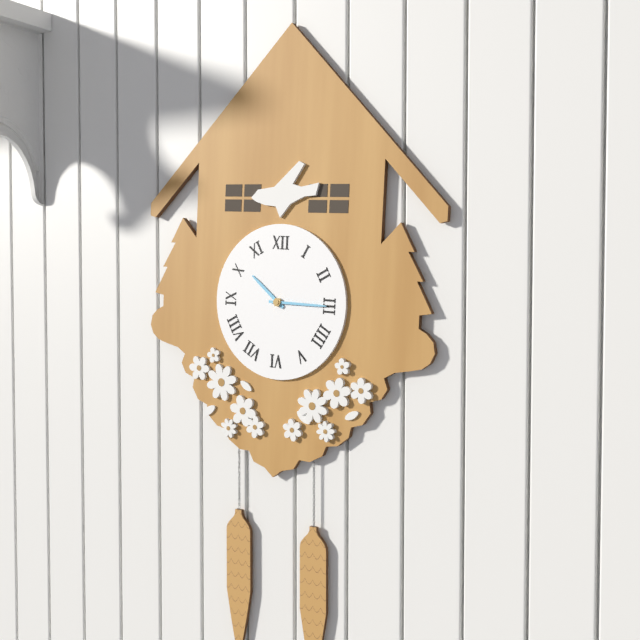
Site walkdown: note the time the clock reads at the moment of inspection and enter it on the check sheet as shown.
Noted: 10:15
